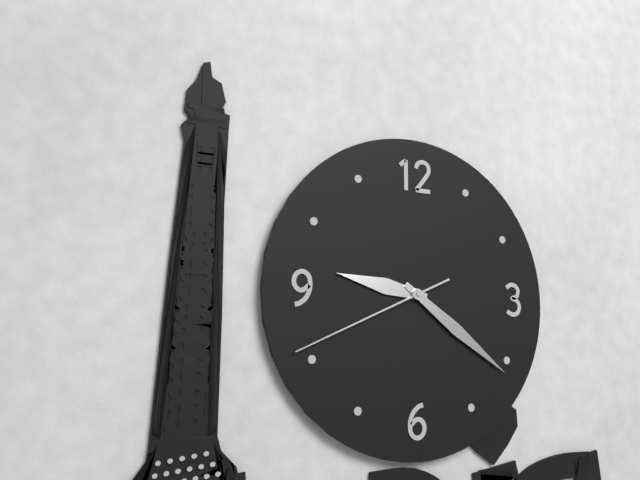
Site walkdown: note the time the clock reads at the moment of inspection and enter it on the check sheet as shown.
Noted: 9:21:41
